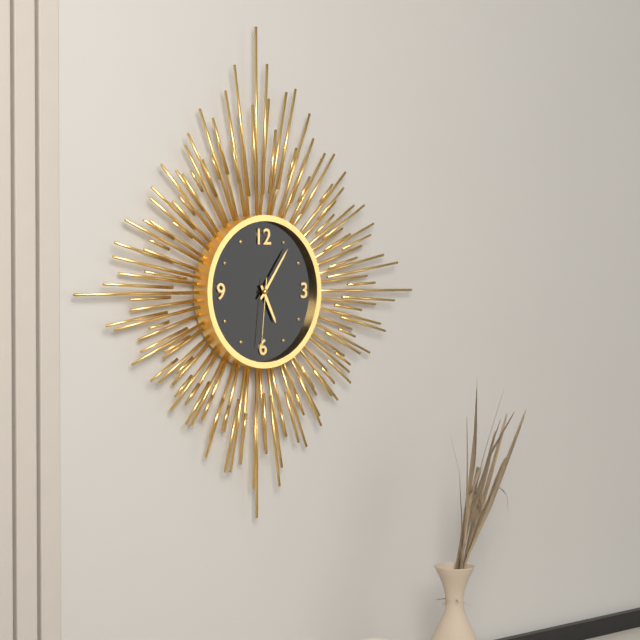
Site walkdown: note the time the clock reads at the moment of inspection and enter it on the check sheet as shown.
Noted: 5:06:31
